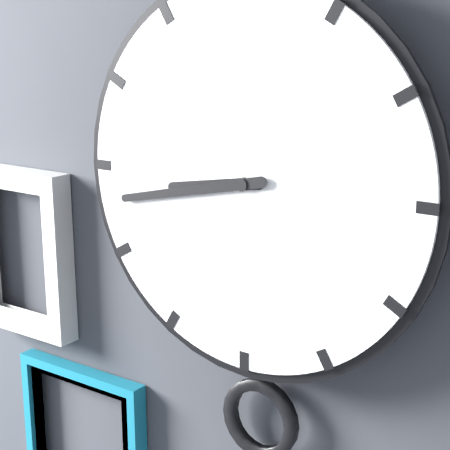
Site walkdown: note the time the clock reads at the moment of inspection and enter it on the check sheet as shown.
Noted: 8:43
